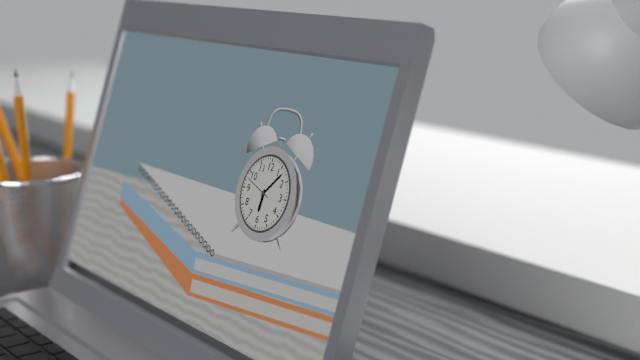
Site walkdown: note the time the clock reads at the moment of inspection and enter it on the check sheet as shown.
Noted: 6:07
